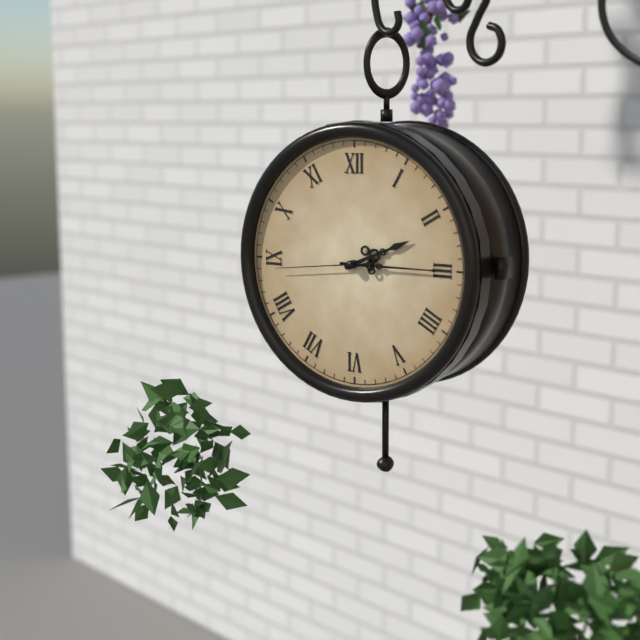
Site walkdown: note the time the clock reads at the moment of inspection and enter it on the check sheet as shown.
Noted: 2:15:44
